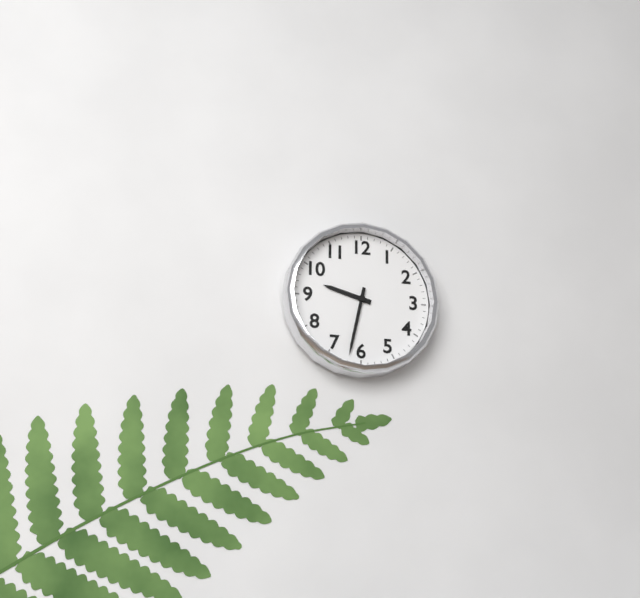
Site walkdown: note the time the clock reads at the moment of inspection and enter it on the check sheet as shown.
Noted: 9:32
